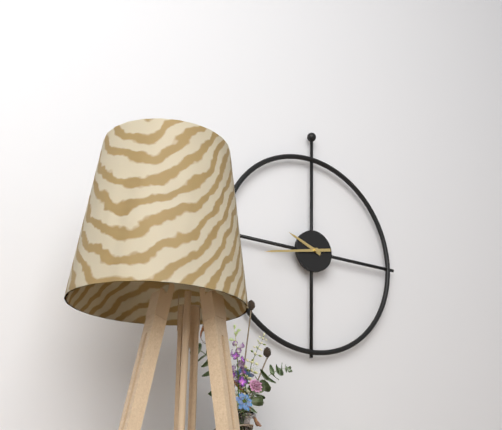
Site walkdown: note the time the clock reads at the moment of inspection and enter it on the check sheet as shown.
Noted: 9:43
